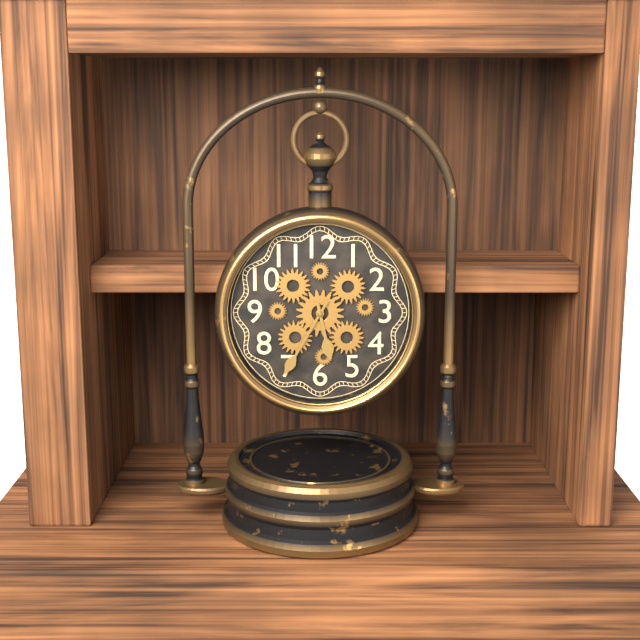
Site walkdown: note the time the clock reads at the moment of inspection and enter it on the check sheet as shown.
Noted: 5:35
